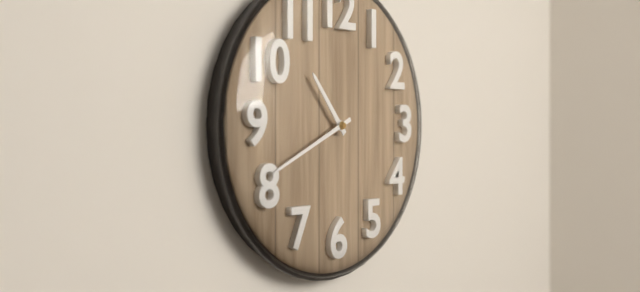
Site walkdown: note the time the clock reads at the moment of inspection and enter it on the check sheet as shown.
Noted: 10:41
